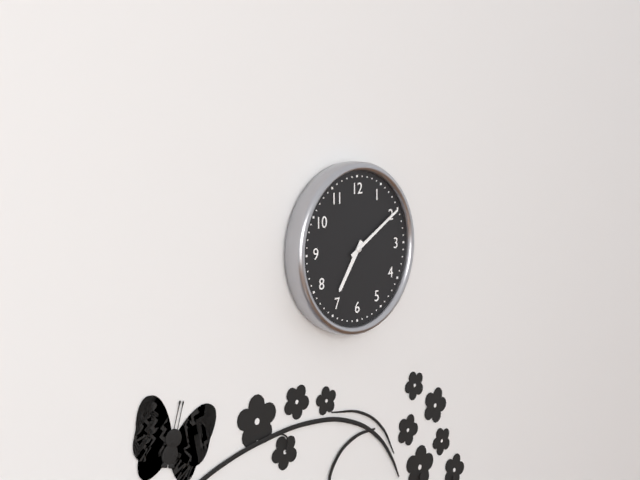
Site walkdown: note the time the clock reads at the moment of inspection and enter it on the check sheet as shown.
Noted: 7:10
